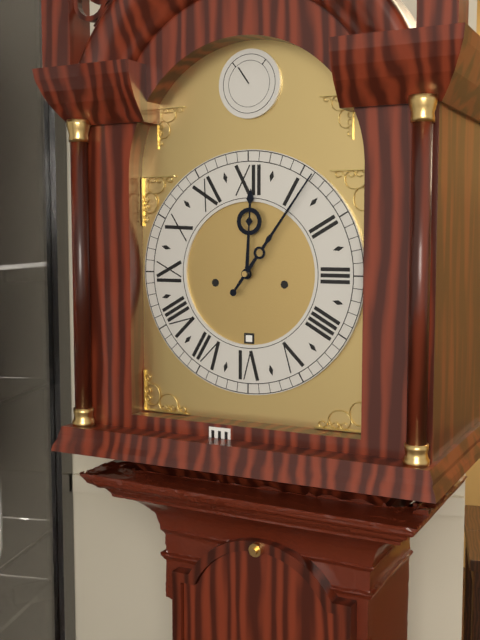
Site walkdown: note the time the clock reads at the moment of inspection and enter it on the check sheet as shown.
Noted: 12:06
